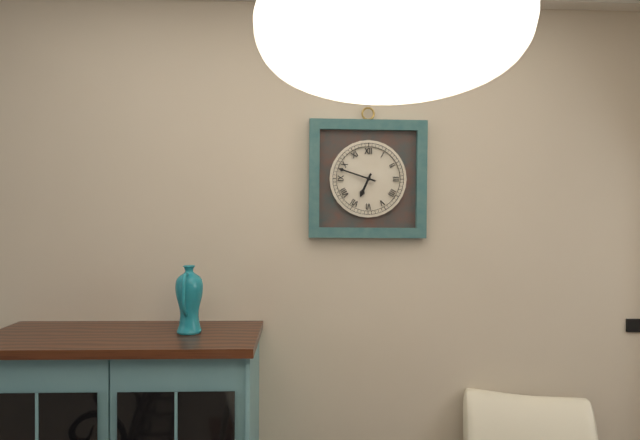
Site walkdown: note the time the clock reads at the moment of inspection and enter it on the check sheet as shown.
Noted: 6:48
